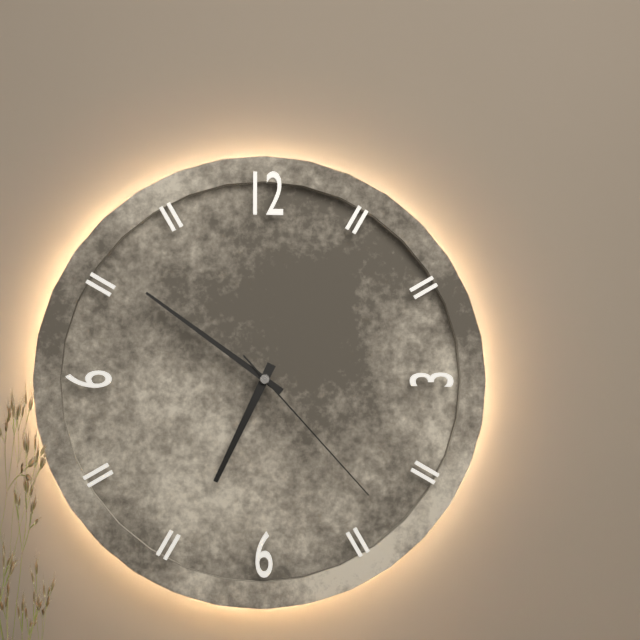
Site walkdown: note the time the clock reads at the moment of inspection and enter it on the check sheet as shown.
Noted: 6:51:23
